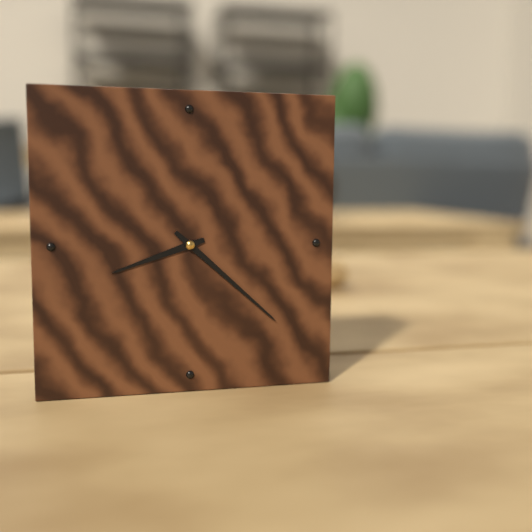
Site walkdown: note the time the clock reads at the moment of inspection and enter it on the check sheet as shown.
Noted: 8:22
